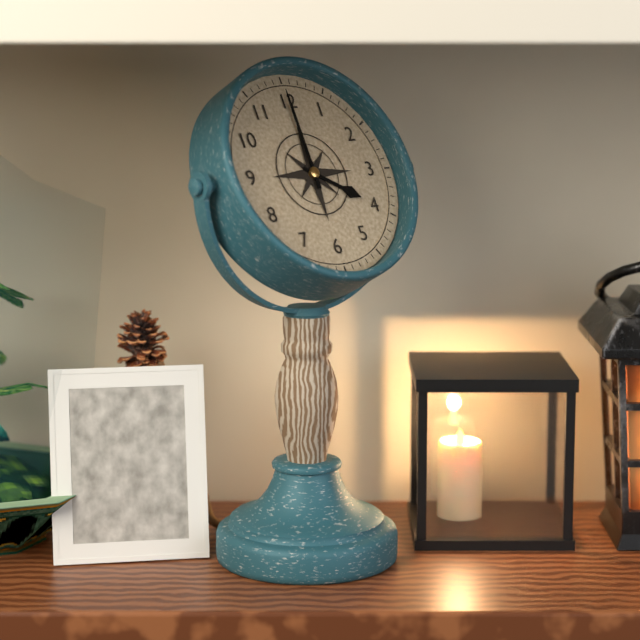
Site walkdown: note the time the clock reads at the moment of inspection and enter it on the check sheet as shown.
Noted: 4:00
